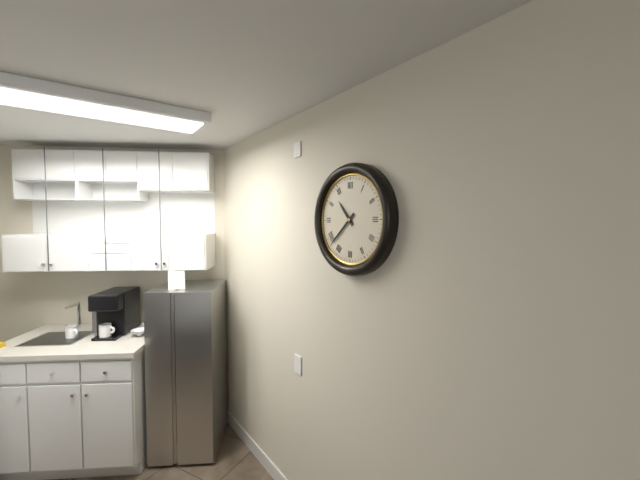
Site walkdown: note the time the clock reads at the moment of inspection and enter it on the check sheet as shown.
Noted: 10:38
